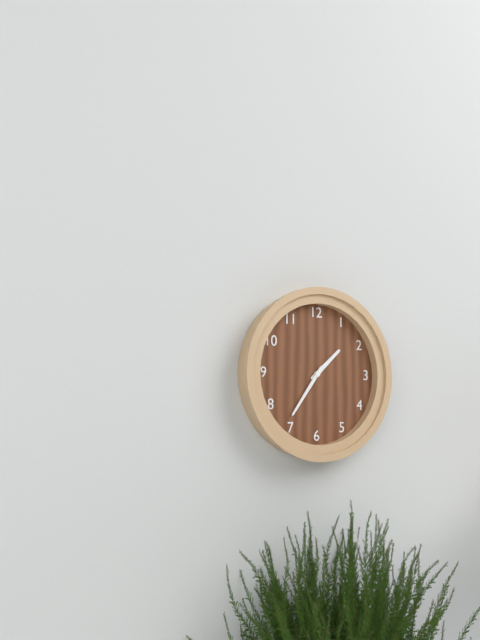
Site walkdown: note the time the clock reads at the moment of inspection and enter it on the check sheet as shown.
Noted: 1:36
